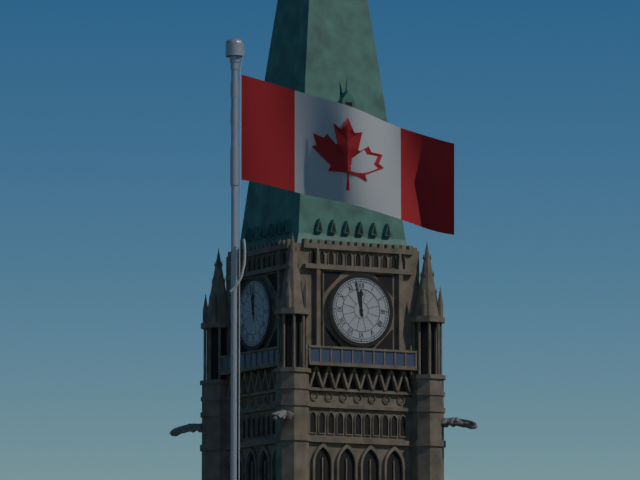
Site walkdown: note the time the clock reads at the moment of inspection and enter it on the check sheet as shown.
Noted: 11:58
